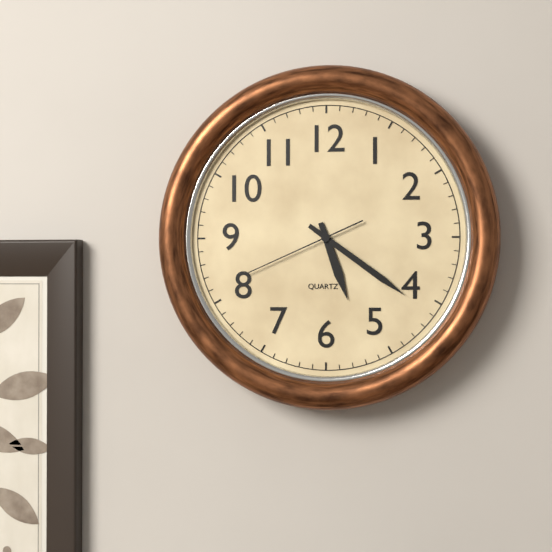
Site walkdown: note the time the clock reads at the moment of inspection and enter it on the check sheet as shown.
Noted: 5:21:41
